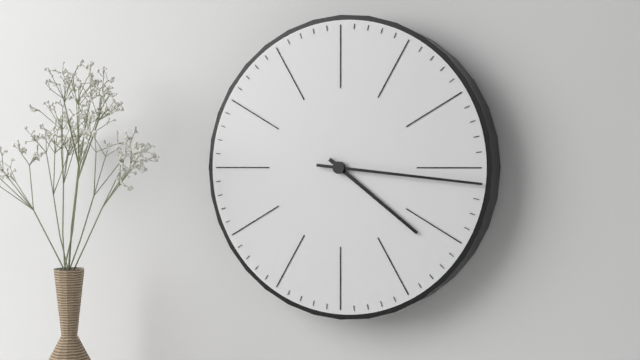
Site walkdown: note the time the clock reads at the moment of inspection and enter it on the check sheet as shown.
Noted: 4:16
